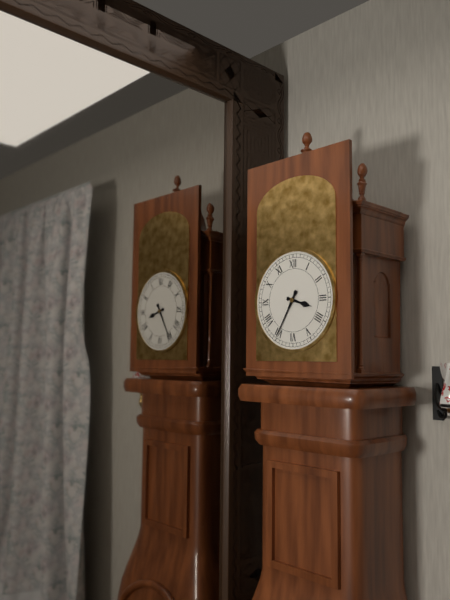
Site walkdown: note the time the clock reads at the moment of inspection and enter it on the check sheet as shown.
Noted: 3:35
